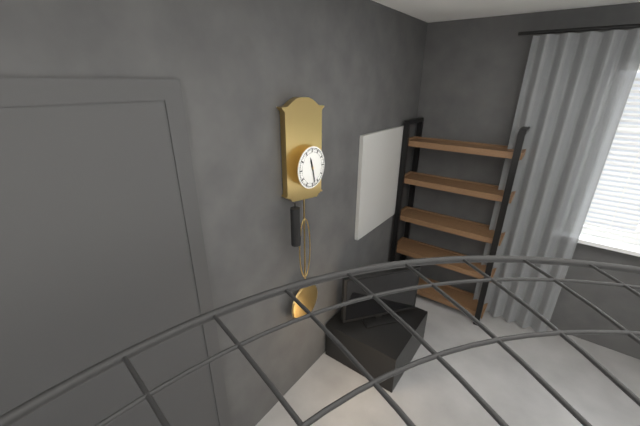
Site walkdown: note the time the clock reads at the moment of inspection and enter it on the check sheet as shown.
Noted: 11:28
